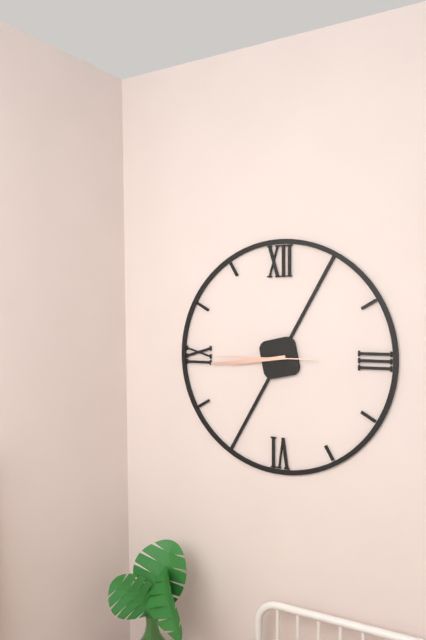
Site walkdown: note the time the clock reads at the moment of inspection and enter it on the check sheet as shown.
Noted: 8:44:45
